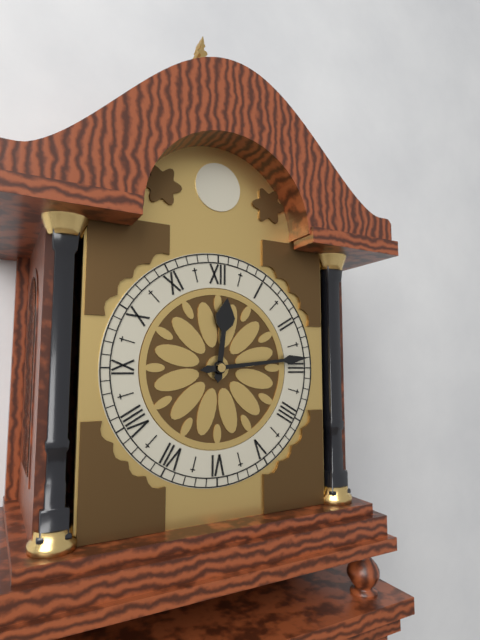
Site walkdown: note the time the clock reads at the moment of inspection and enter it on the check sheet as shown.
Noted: 12:14
